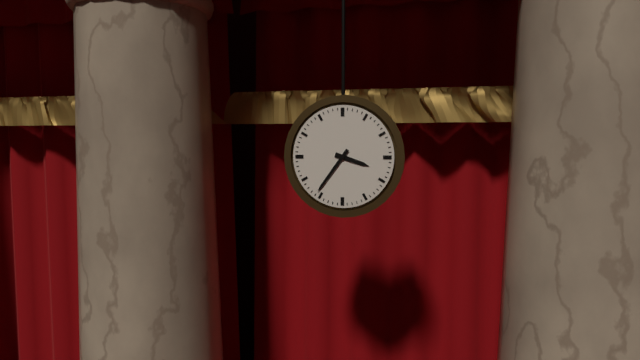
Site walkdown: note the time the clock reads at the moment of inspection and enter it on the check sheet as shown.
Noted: 3:36
